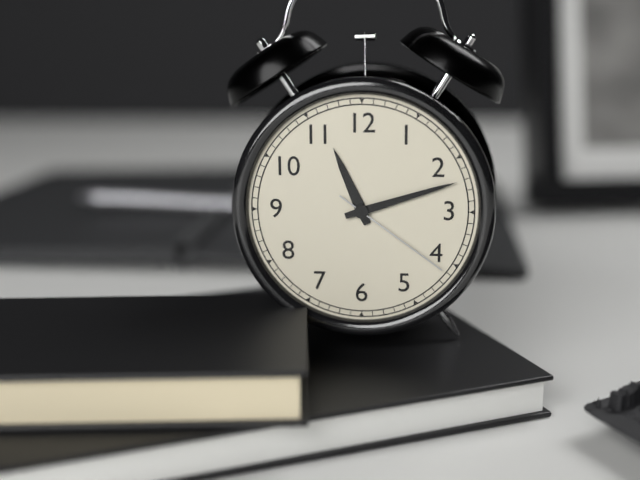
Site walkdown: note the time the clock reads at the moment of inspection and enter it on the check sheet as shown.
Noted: 11:12:21
